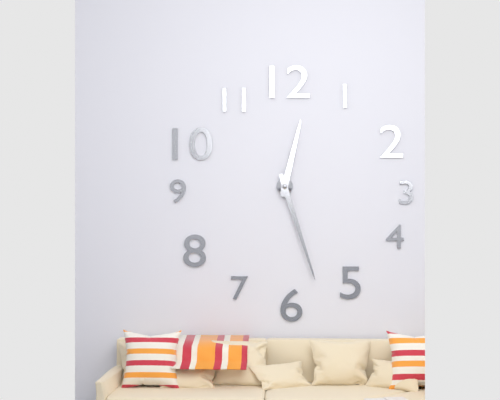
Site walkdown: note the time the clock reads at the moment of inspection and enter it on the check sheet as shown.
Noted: 12:27
